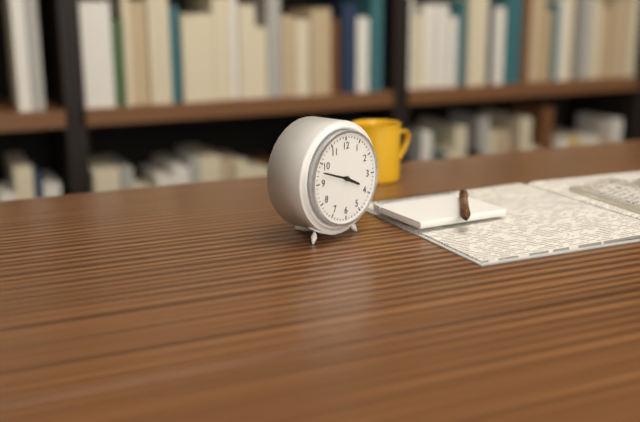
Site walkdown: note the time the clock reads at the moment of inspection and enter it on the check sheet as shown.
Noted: 3:48
